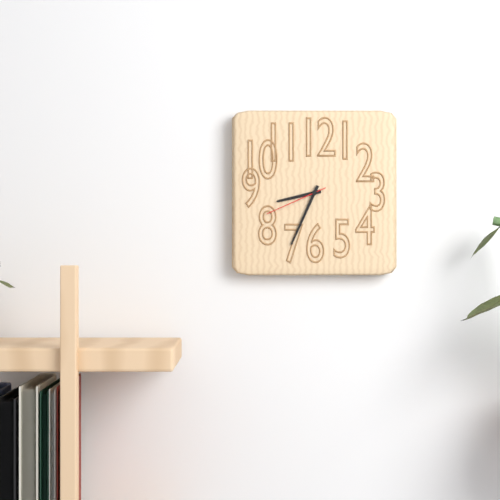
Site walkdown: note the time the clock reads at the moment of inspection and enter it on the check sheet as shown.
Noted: 8:34:41
